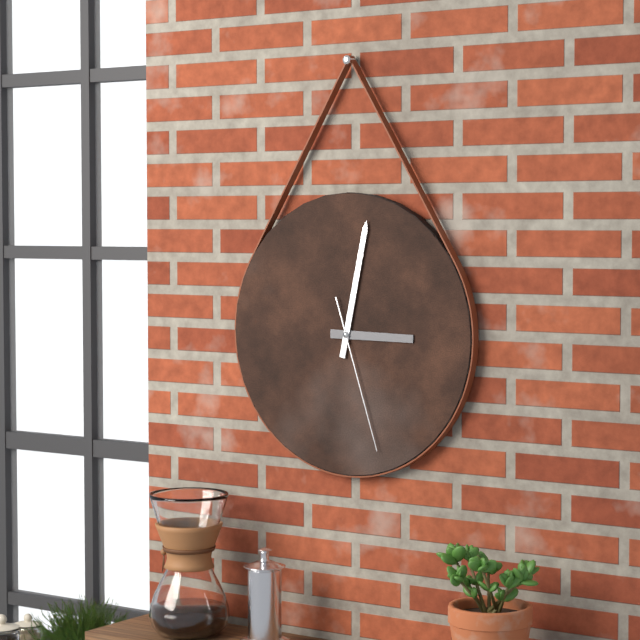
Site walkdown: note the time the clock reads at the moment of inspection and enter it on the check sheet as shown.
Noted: 3:02:27
